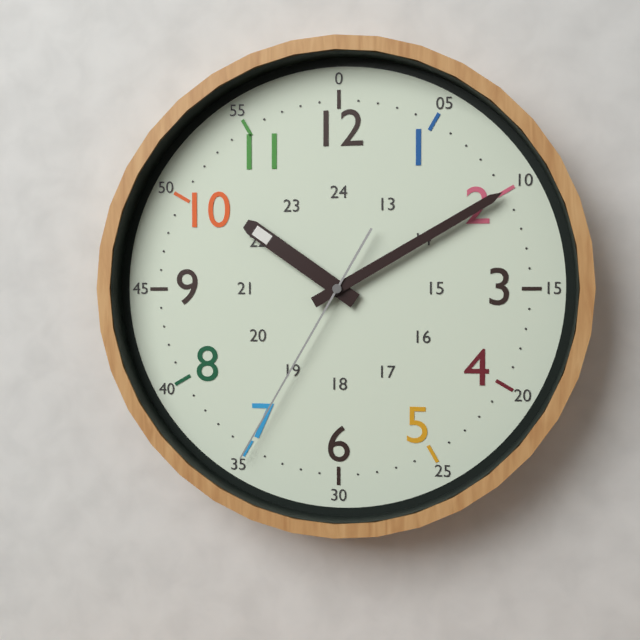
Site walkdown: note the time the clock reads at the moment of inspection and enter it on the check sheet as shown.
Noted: 10:10:35
